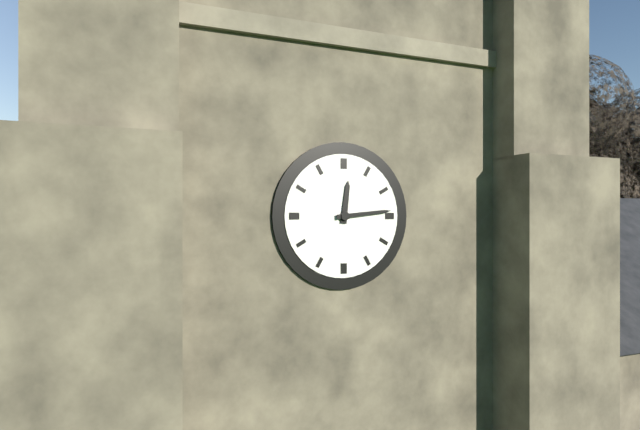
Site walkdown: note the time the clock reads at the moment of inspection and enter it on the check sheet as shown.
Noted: 12:14
